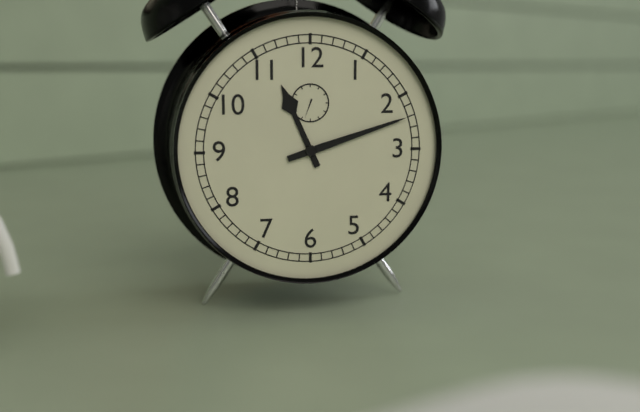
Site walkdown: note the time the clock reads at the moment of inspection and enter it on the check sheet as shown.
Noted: 11:12
